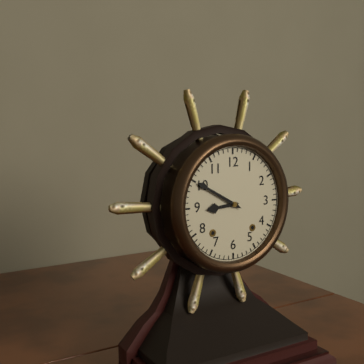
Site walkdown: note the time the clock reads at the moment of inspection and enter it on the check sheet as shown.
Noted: 8:50
